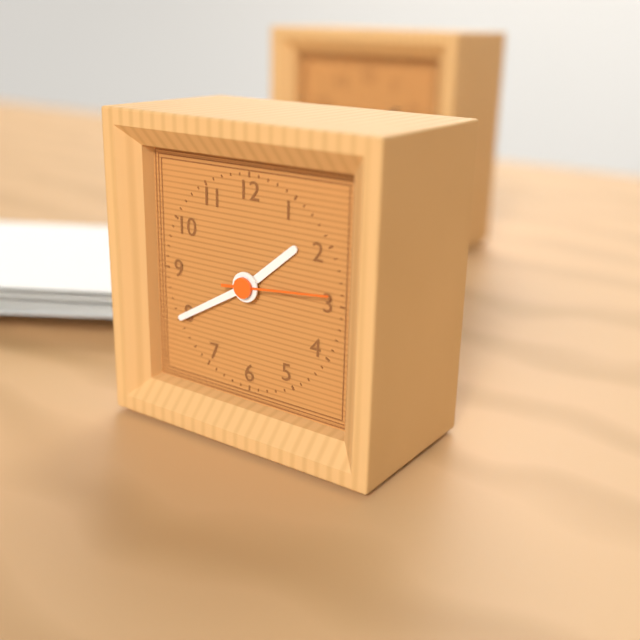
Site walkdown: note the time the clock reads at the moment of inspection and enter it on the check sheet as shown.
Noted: 1:40:14
